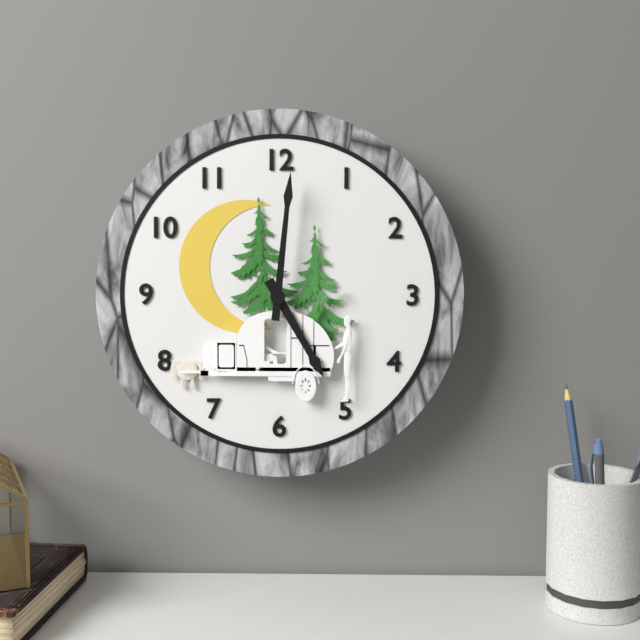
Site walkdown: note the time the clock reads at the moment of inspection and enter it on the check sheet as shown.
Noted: 5:01
